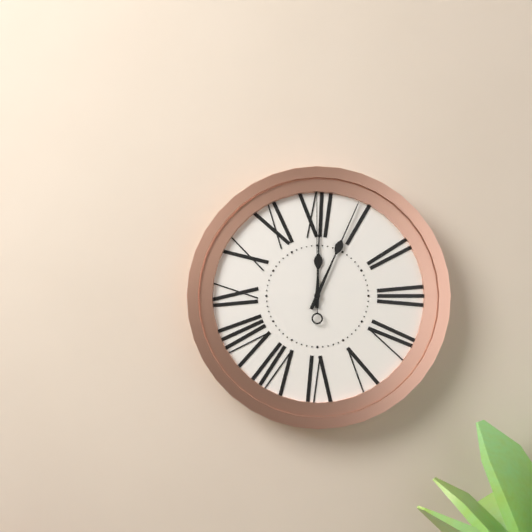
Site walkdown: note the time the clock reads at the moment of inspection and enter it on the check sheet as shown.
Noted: 12:04:00
